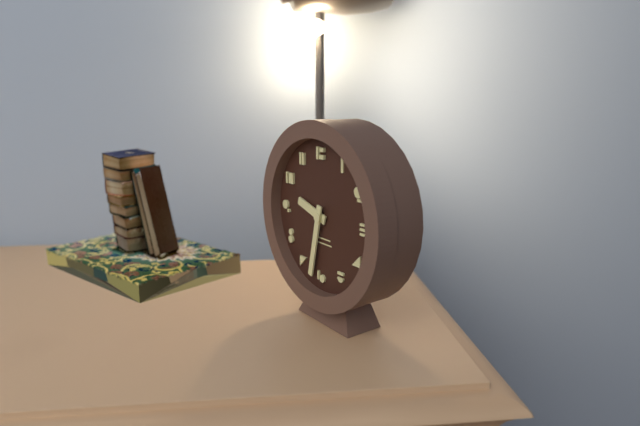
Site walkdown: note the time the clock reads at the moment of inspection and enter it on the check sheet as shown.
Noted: 9:32
